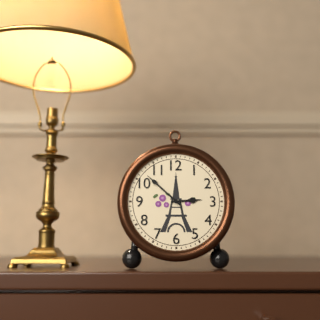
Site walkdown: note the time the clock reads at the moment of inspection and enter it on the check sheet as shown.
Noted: 2:52
